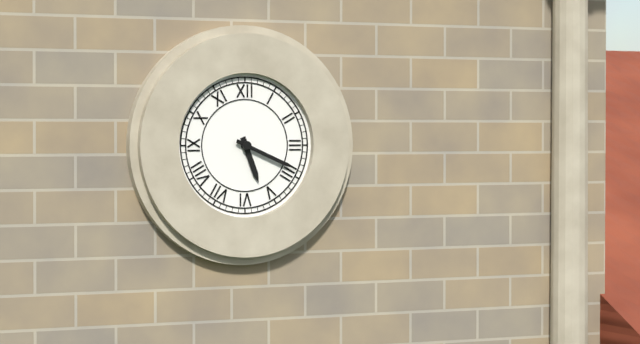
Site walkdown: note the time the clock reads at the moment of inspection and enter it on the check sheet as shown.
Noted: 5:19
